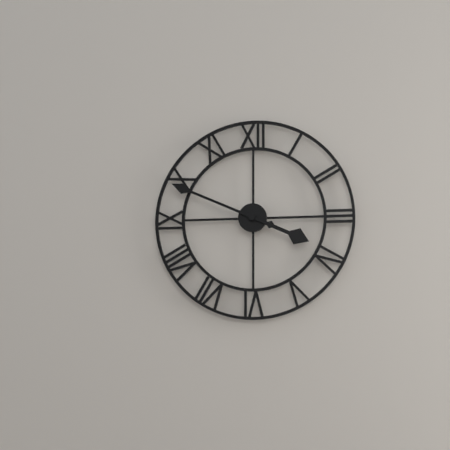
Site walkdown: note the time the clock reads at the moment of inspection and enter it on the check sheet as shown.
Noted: 3:49
